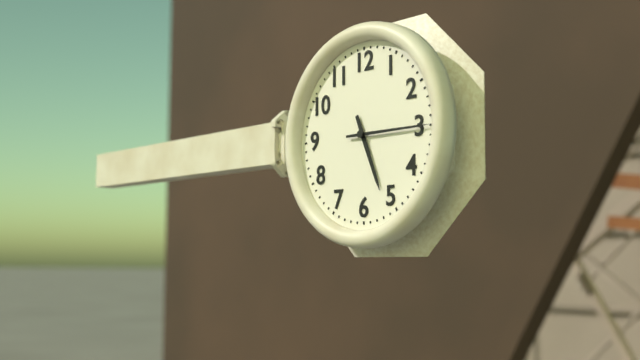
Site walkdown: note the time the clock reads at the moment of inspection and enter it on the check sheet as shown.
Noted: 5:15
